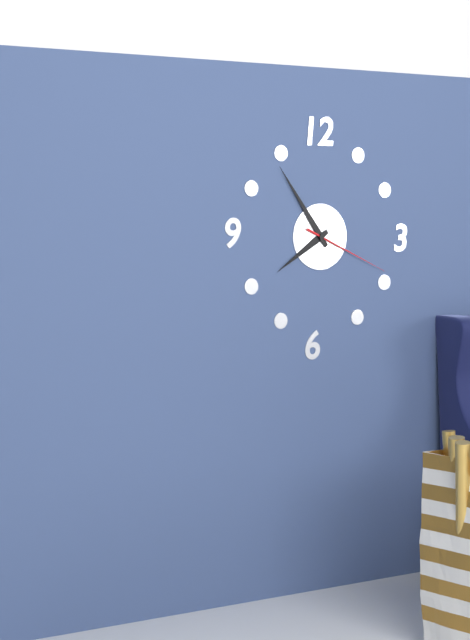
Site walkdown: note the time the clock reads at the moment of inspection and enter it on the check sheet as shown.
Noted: 7:54:19
